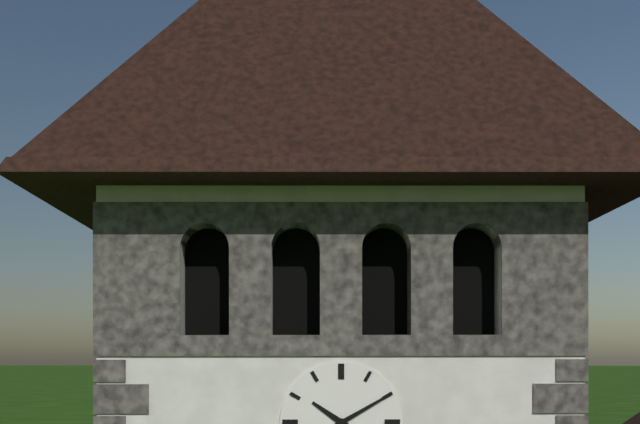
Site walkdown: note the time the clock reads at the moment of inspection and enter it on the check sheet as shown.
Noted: 10:10
